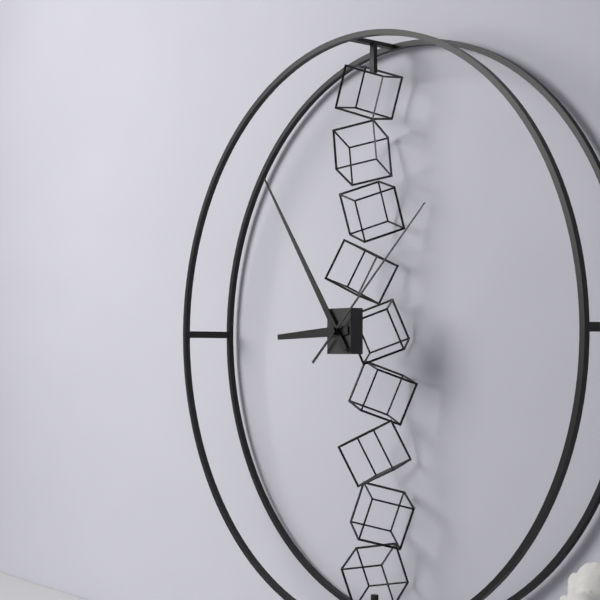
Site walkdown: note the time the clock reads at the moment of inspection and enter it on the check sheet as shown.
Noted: 8:54:08
